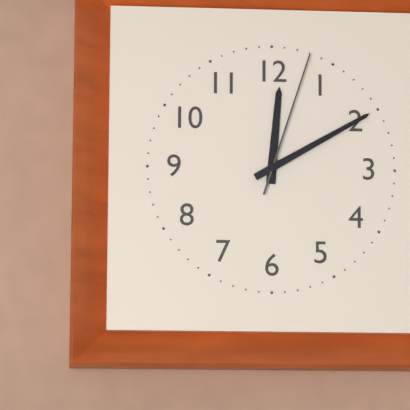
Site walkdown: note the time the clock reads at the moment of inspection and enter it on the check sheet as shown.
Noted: 12:10:03
